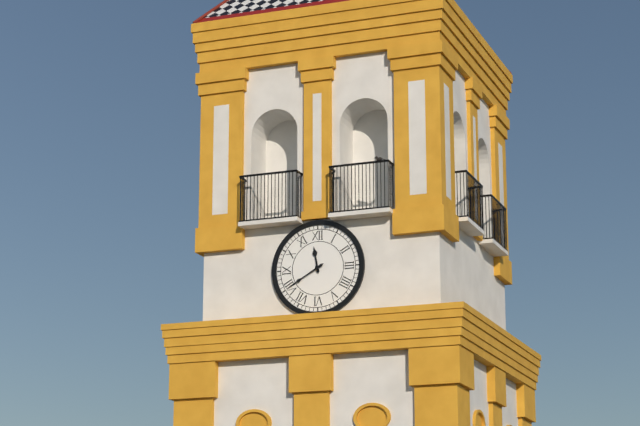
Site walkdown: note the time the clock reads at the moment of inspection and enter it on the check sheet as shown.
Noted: 11:40
